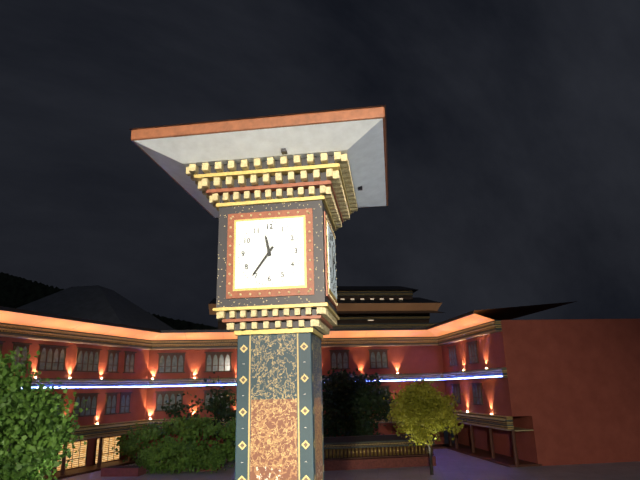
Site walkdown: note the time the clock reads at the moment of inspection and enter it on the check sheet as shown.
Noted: 11:36
